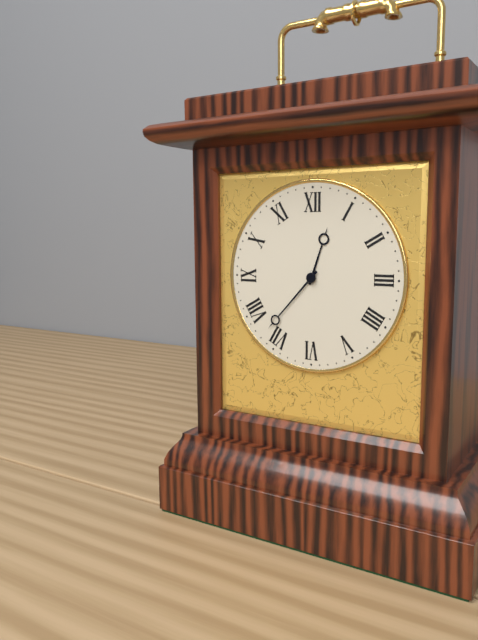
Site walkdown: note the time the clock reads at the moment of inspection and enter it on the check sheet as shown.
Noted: 12:37
